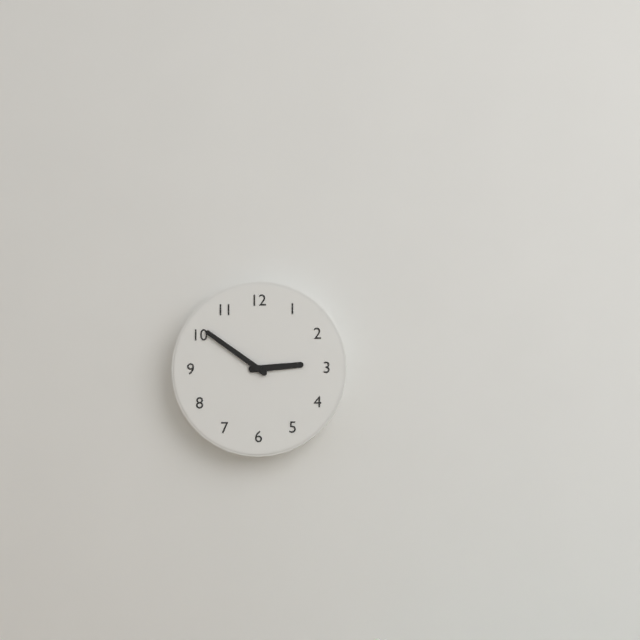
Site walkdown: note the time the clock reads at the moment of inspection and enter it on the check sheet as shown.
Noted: 2:51
